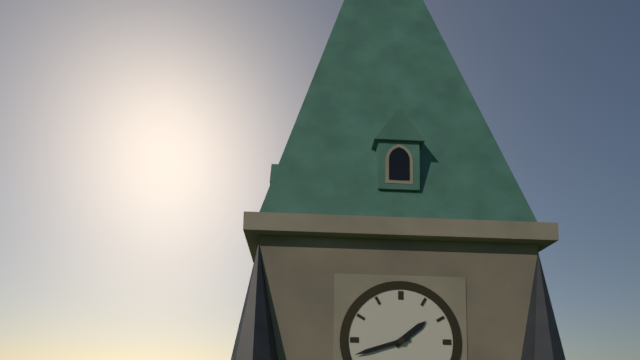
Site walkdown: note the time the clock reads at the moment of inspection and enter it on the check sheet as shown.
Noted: 1:42
